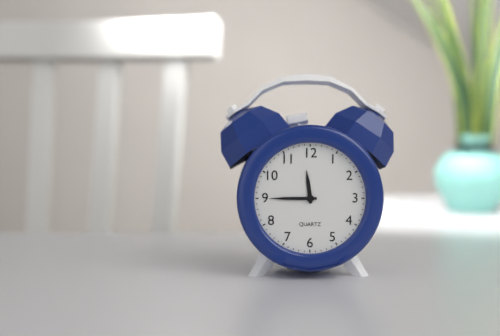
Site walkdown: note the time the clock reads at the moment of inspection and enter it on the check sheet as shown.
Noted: 11:45
